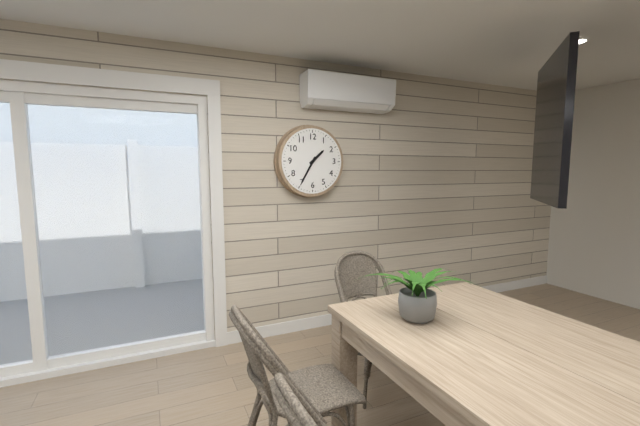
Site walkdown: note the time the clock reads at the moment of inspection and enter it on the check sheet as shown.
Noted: 1:35
